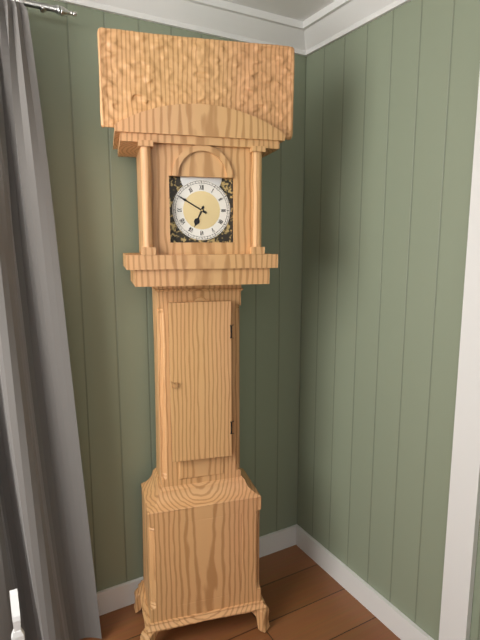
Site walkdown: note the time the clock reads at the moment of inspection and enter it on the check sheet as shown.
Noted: 6:50
